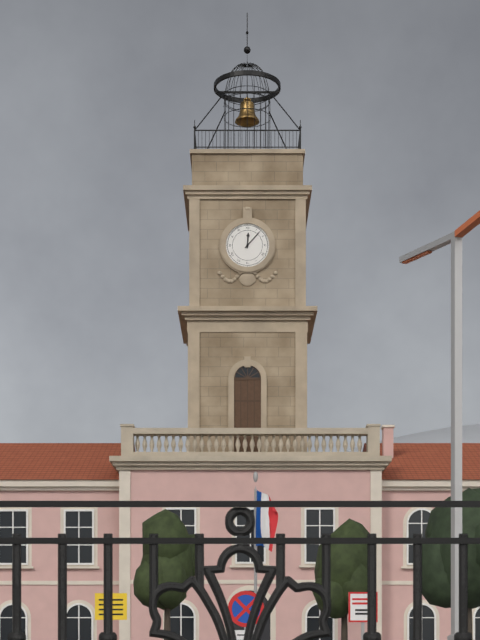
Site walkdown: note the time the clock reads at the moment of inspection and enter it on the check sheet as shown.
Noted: 12:07
